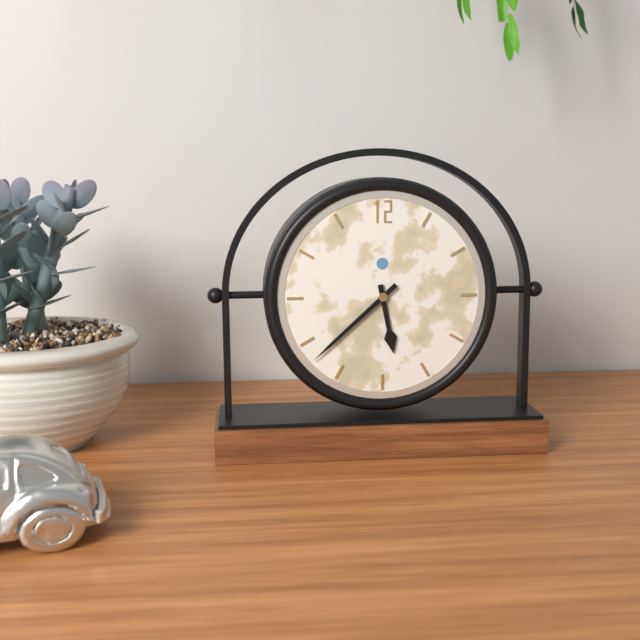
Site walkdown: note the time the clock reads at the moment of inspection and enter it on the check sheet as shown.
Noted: 5:38
